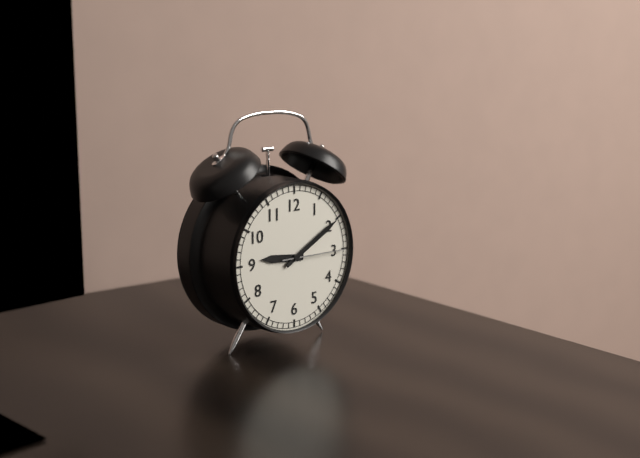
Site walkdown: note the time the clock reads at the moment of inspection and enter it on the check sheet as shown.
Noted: 9:10:15
